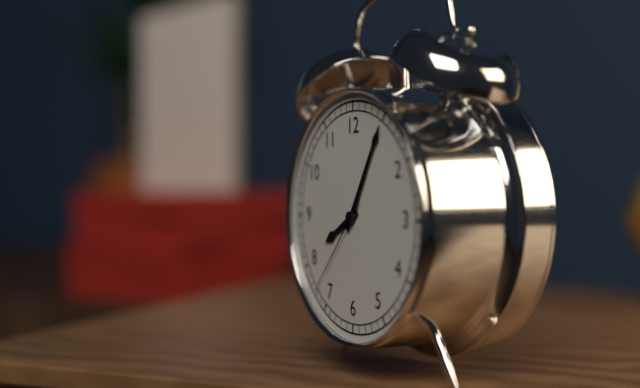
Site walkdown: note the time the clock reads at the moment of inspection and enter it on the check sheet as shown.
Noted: 8:05:37
